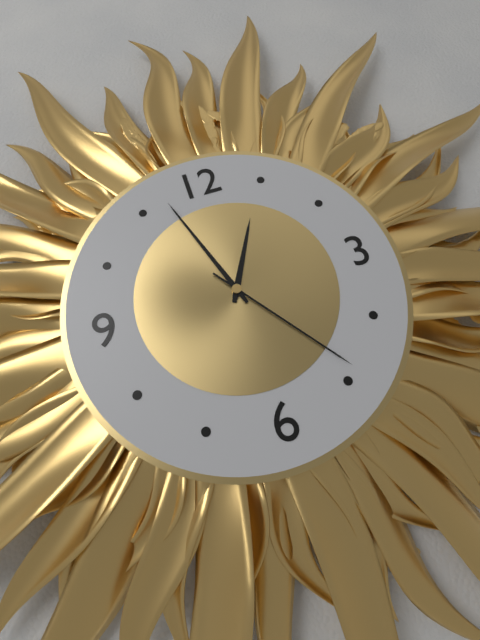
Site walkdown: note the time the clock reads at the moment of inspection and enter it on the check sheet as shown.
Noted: 12:57:24
